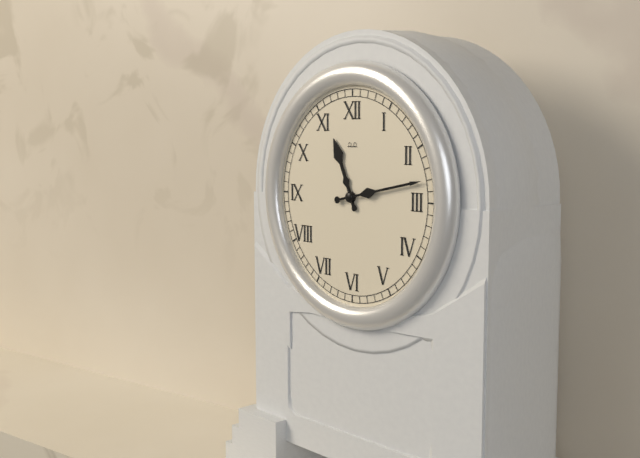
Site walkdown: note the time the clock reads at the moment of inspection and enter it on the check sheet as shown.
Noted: 11:13
